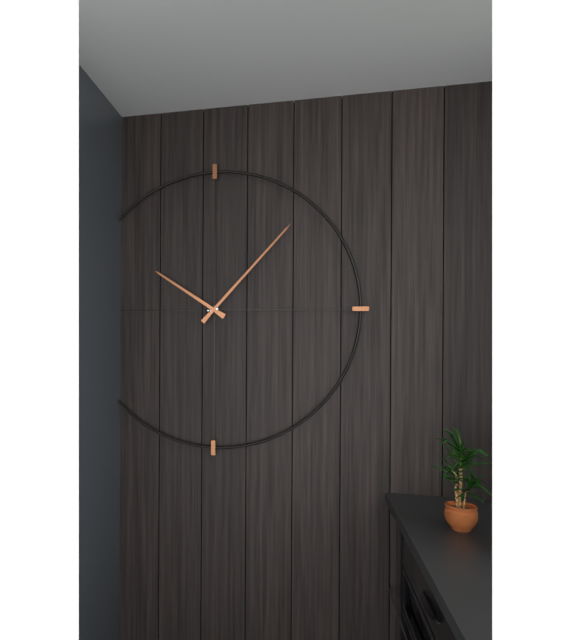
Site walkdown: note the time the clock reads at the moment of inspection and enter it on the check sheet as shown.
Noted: 10:07
